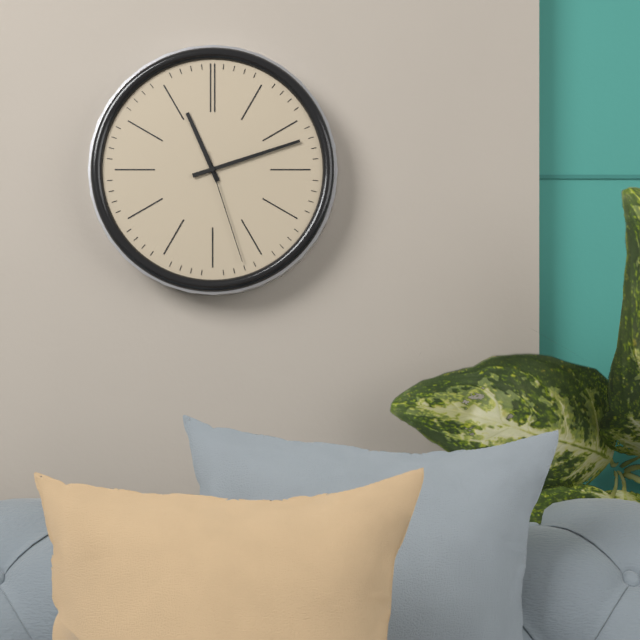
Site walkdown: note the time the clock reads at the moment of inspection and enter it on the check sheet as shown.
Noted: 11:12:27
